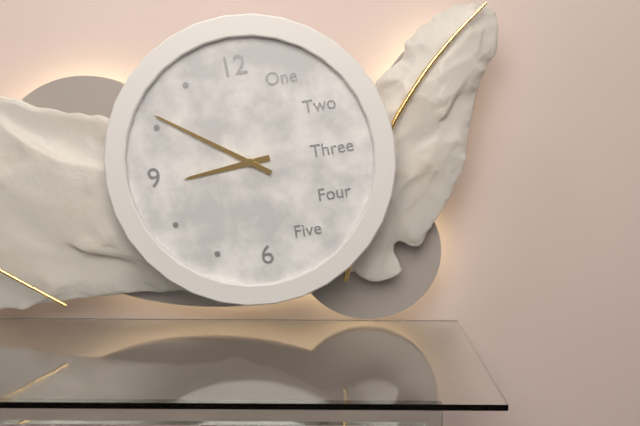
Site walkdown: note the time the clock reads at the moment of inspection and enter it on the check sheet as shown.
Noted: 8:51
